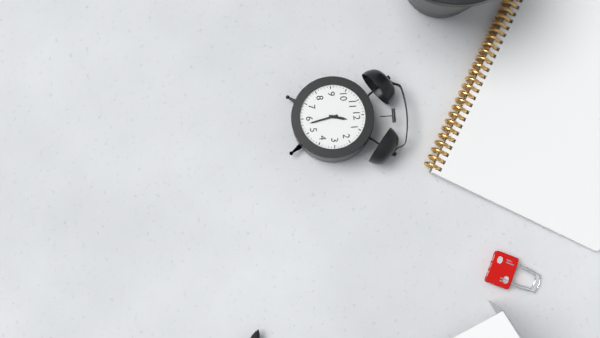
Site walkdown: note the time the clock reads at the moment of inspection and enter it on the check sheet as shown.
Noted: 12:28
